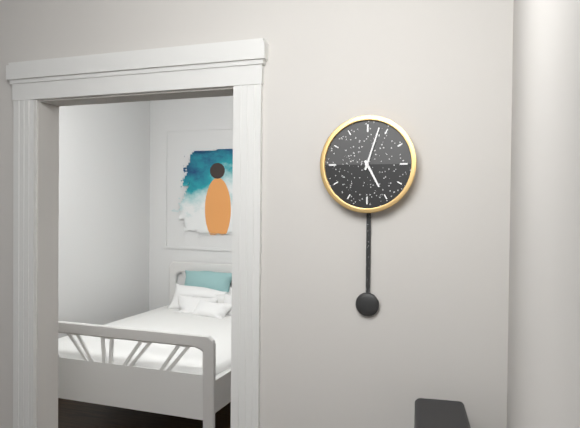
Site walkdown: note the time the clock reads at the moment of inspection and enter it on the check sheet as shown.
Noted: 5:03
